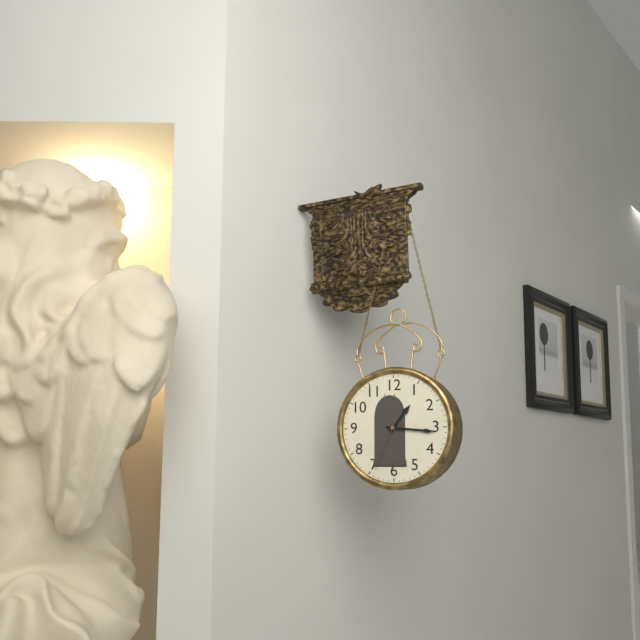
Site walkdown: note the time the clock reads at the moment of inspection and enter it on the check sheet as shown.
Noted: 1:16:34
